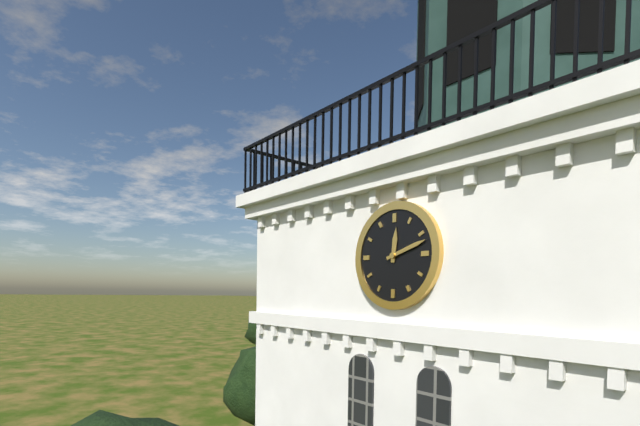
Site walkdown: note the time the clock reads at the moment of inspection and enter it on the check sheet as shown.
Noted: 12:12
